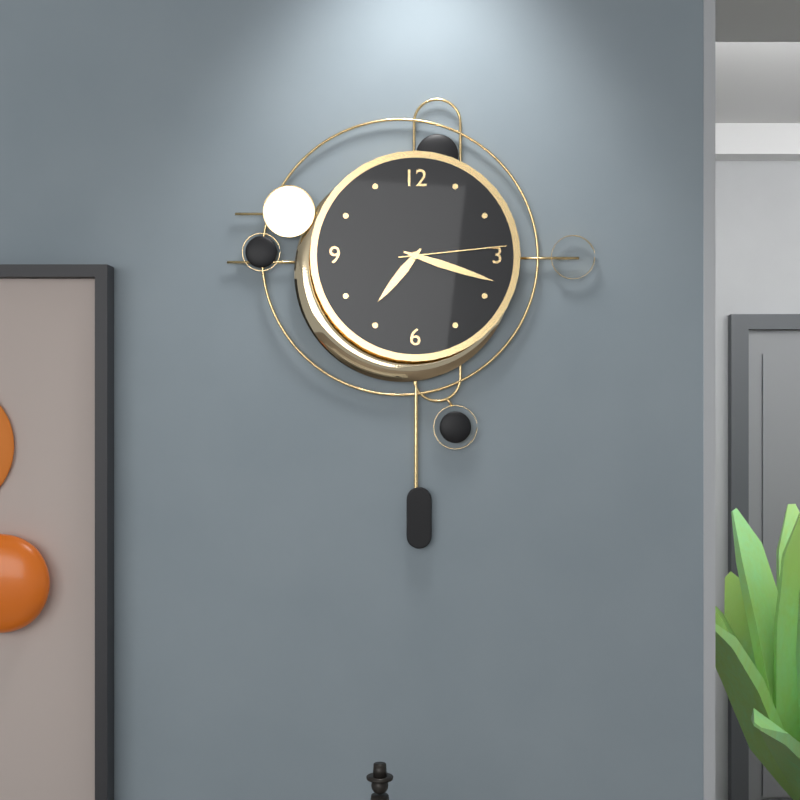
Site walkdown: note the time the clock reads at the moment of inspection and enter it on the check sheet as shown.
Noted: 7:18:14
